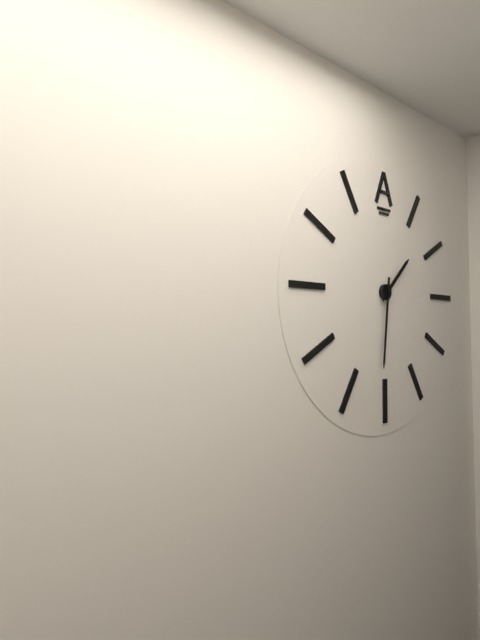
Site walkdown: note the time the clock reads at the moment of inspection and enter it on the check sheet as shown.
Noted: 1:31
